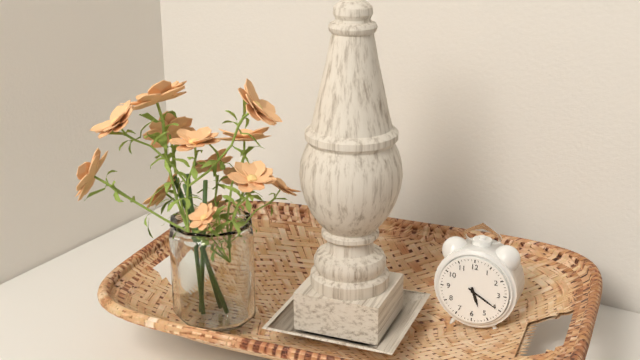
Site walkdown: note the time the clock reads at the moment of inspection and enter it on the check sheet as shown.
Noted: 5:20
